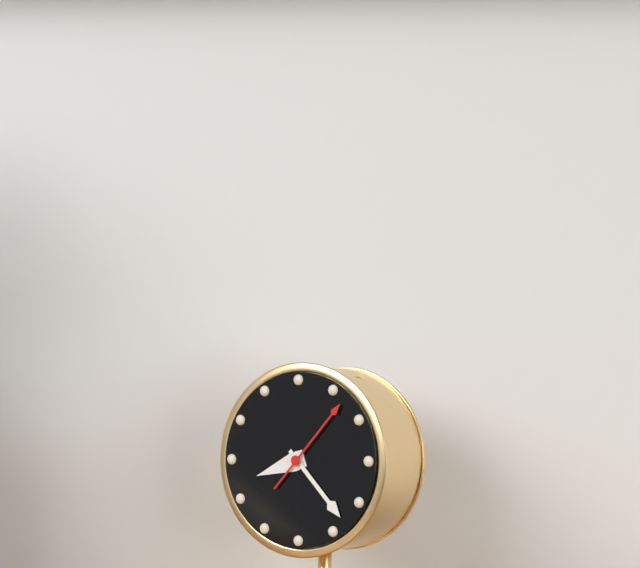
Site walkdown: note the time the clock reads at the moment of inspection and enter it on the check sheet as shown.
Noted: 8:23:07
